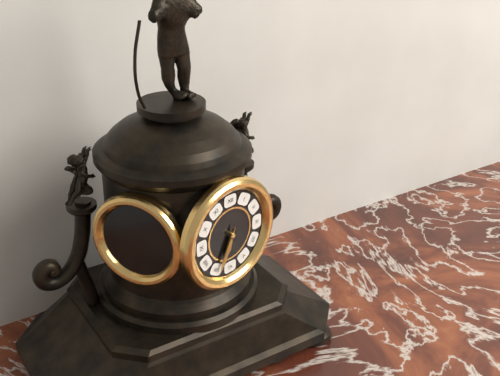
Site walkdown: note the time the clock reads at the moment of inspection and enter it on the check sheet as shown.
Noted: 6:34
